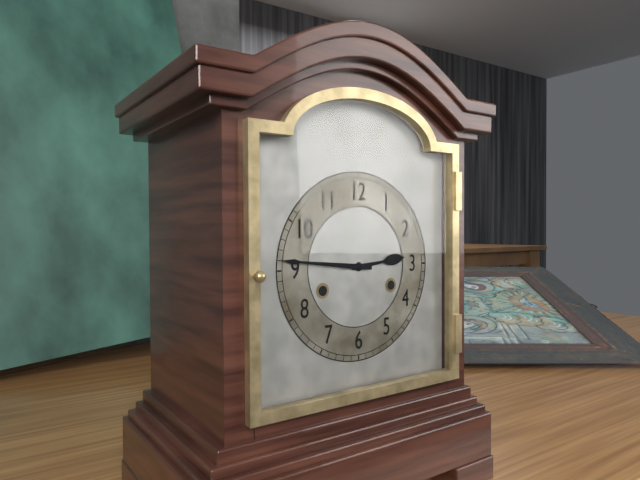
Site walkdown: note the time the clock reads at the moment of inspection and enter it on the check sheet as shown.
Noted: 2:46
